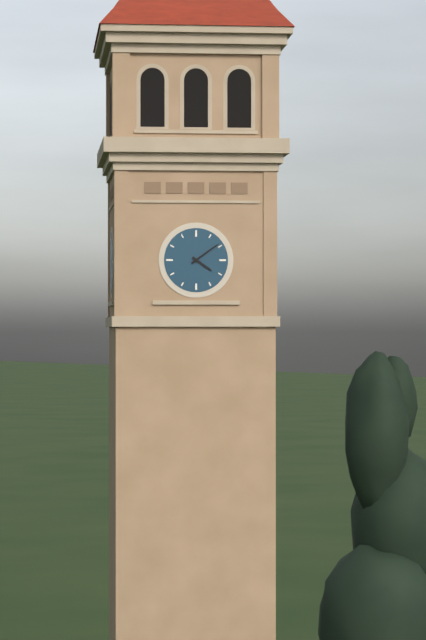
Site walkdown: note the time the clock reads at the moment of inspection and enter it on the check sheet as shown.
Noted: 4:09
